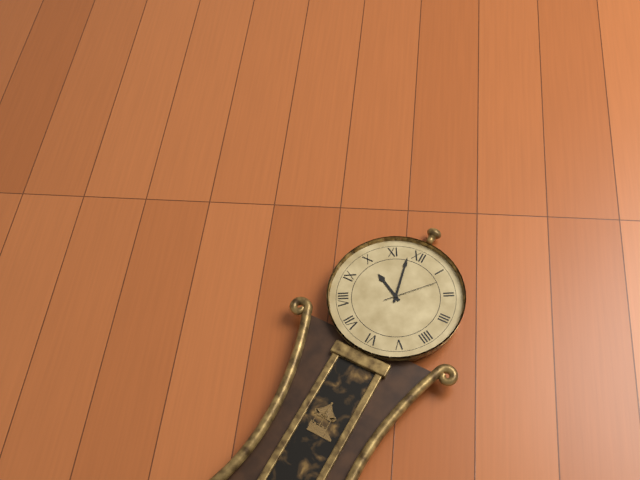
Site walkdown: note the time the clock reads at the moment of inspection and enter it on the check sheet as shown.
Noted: 9:58:07
